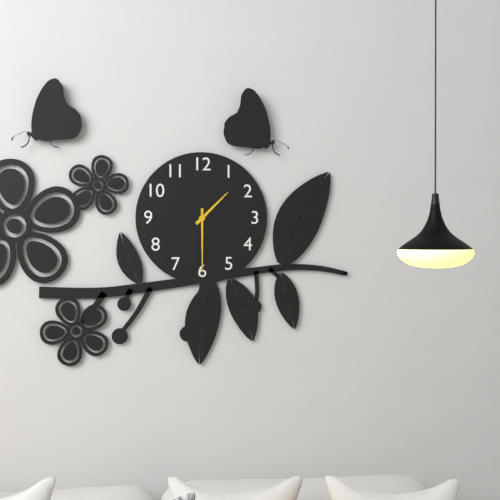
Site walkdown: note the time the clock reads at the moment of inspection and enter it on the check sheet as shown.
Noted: 1:30
